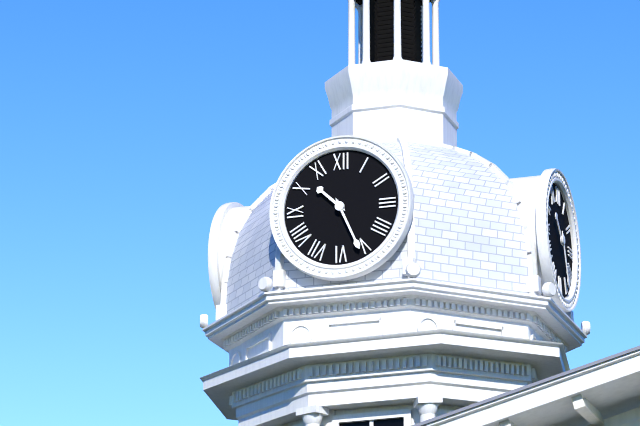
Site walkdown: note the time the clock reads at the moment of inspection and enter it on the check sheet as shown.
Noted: 10:26
